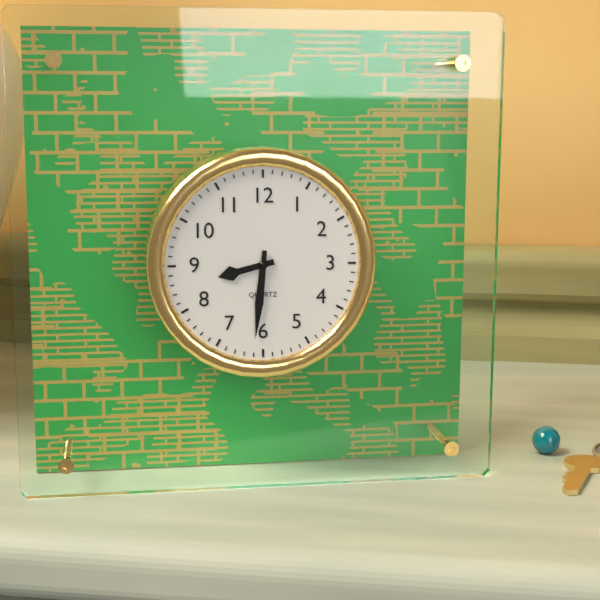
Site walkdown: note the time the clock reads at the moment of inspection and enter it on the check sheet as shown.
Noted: 8:31
